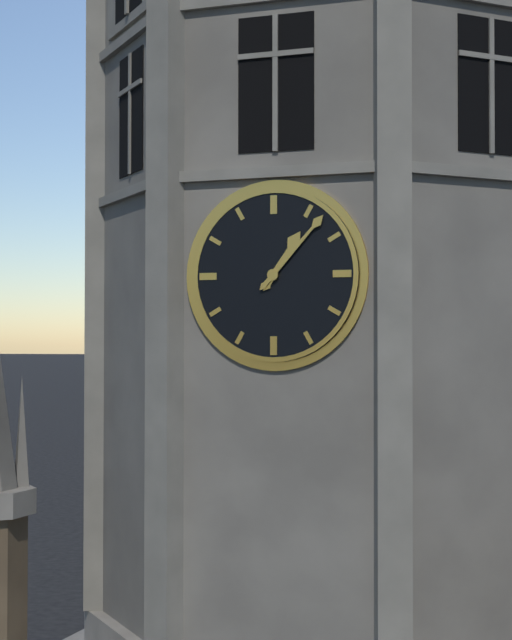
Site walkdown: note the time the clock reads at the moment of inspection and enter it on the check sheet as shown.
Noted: 1:07
